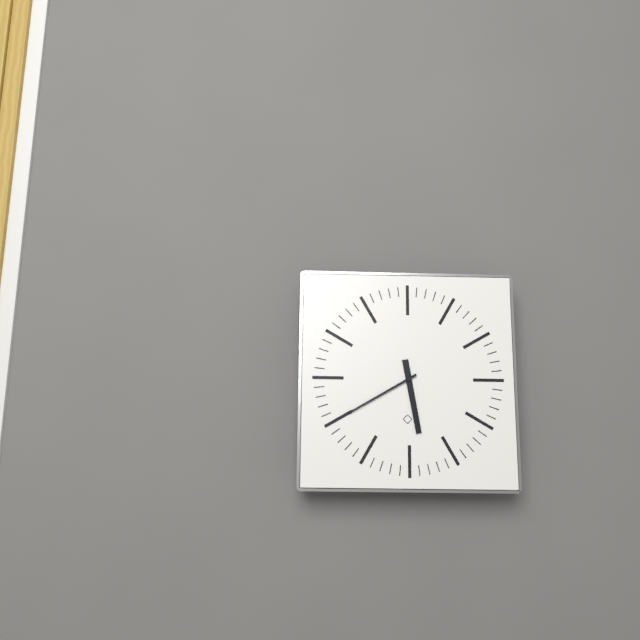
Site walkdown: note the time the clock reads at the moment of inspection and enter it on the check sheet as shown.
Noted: 5:40
